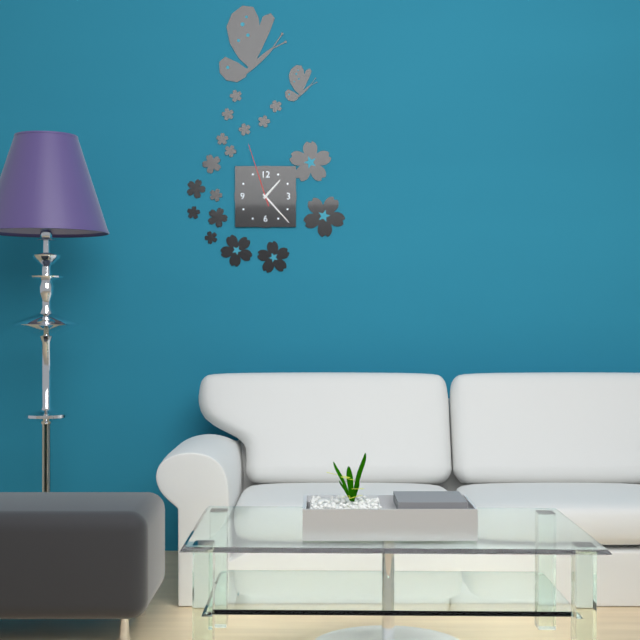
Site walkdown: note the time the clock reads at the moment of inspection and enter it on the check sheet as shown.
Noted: 1:23:57
